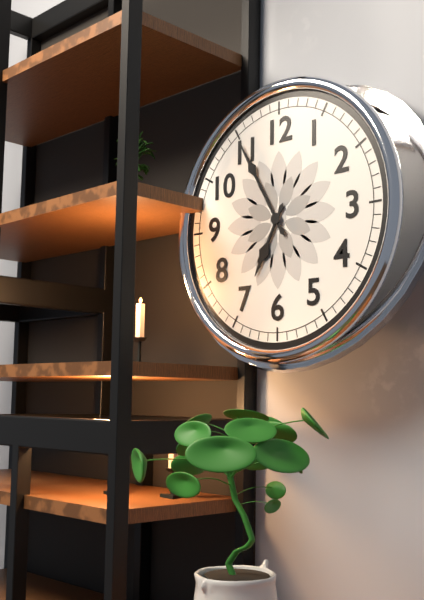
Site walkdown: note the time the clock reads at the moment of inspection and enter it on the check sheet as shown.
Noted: 6:55
